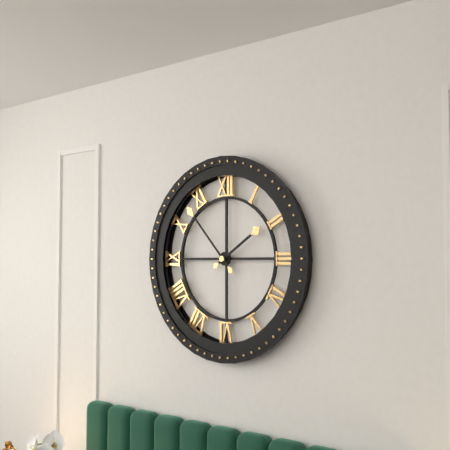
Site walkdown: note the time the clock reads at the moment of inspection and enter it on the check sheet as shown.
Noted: 1:53
